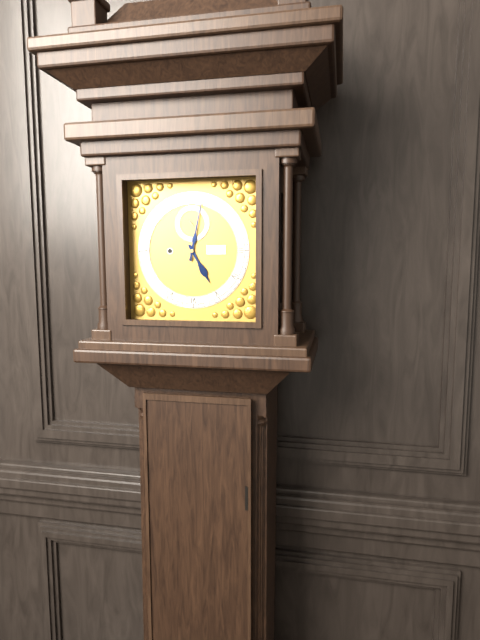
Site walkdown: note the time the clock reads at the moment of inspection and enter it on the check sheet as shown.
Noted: 5:02
